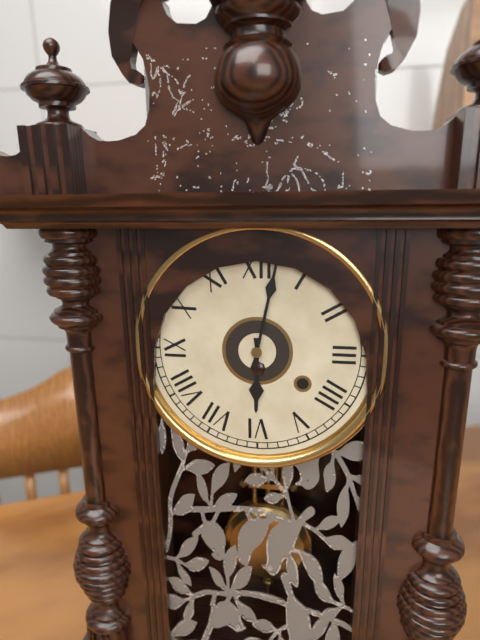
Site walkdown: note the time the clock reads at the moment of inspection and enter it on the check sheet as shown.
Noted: 6:02
